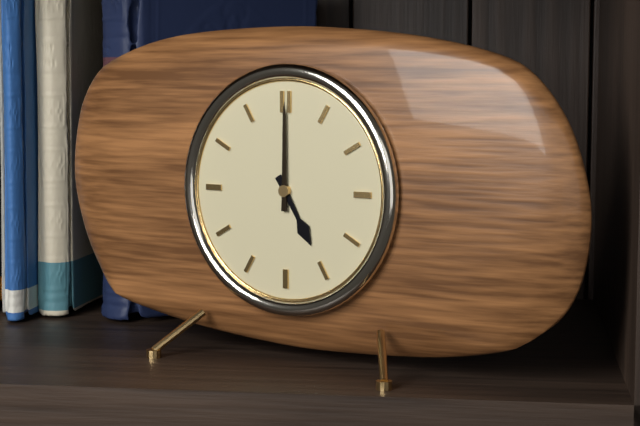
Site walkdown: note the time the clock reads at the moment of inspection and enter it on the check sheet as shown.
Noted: 5:00
